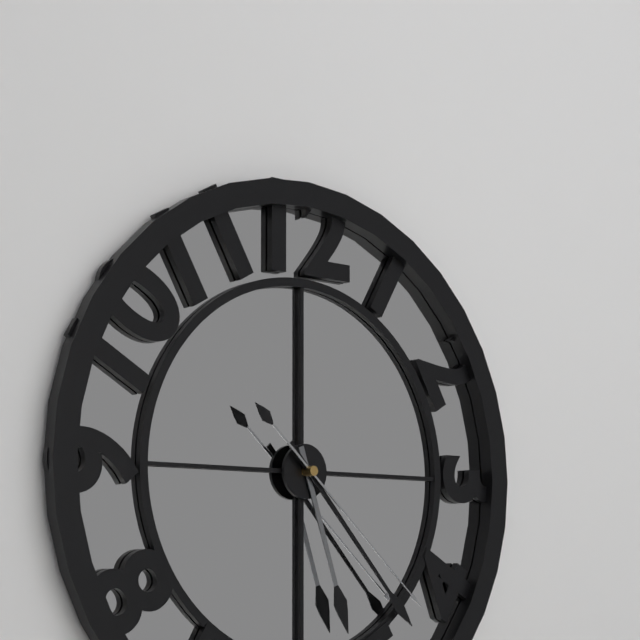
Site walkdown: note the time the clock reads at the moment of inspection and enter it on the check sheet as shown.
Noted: 5:23:22
